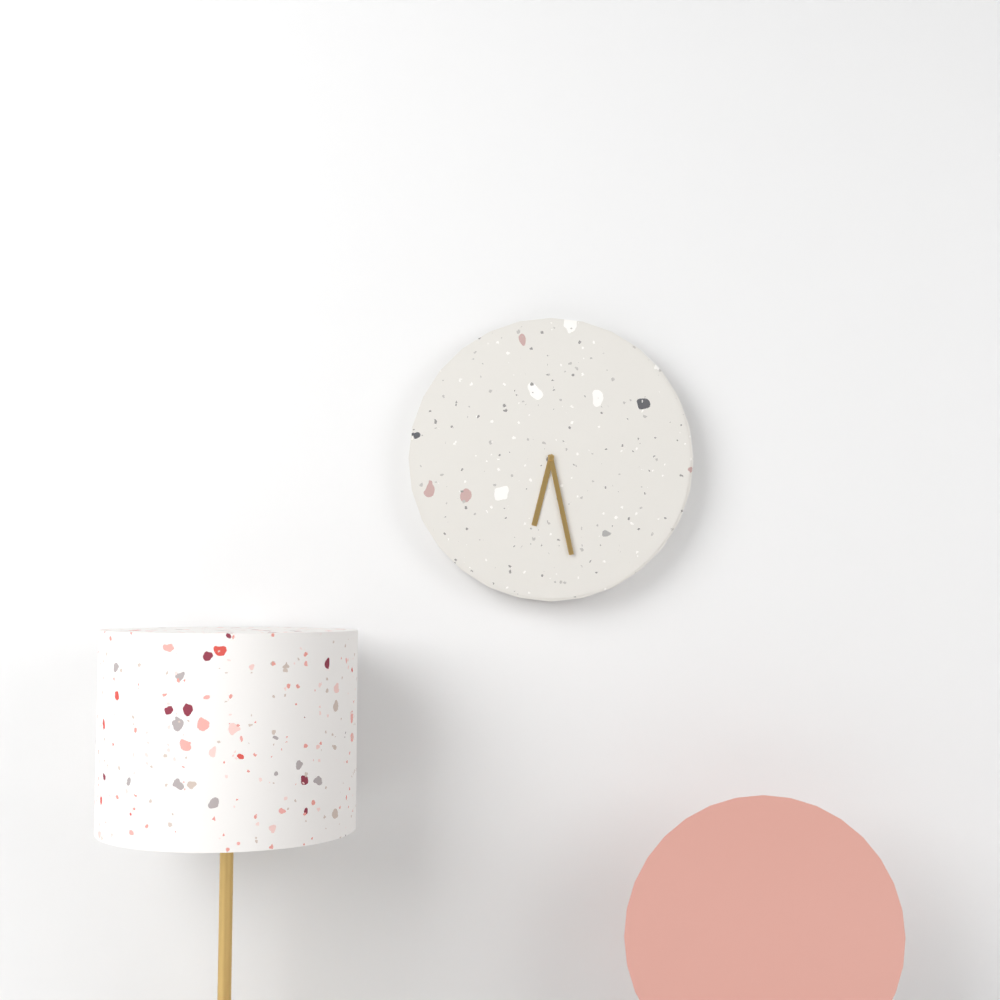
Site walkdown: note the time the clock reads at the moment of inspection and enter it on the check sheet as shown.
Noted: 6:28
